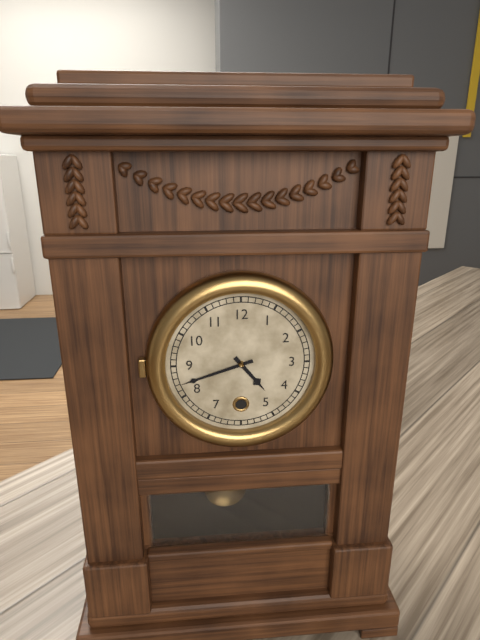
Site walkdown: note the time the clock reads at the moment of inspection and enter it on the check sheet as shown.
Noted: 4:42
